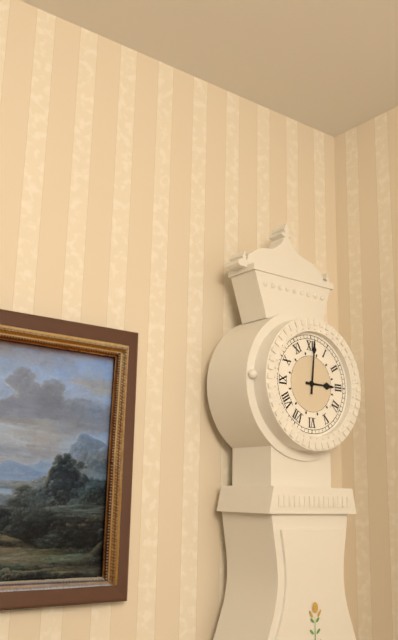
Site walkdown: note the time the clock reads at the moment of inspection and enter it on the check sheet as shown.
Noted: 3:01
